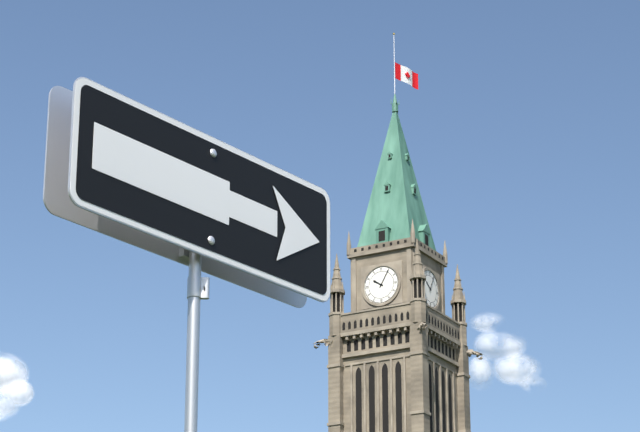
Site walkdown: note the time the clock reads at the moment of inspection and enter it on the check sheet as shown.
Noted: 10:05
